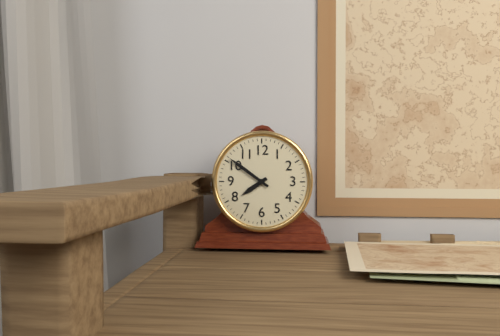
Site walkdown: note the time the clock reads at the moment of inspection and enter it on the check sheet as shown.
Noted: 7:51
